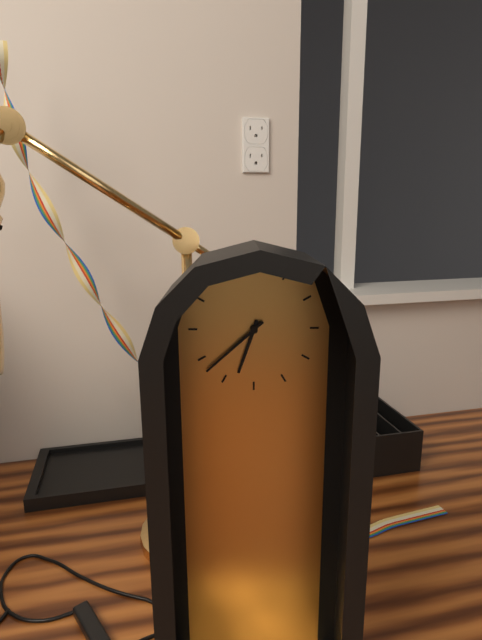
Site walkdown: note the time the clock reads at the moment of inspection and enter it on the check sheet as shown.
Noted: 6:38
